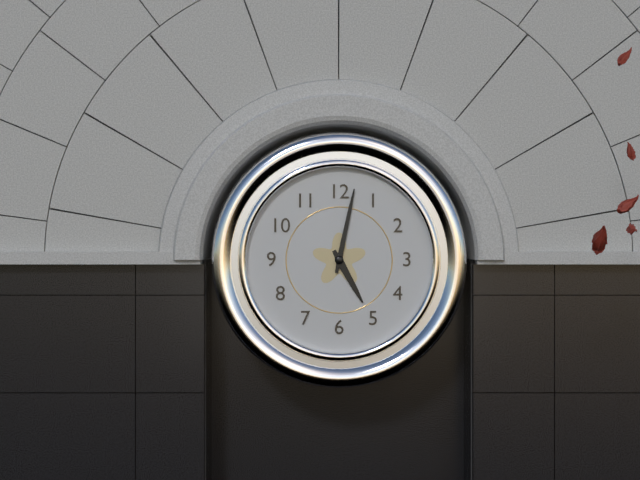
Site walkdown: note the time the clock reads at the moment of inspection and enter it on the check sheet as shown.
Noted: 5:02
